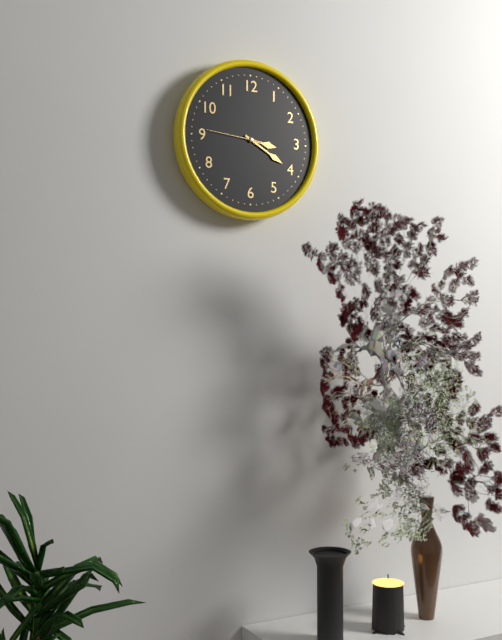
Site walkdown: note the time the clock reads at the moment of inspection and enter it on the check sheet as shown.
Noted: 3:20:46
